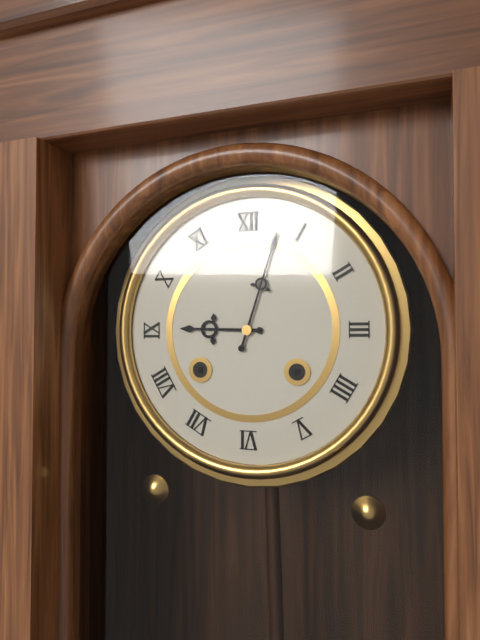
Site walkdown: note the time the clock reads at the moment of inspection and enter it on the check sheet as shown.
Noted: 9:03
